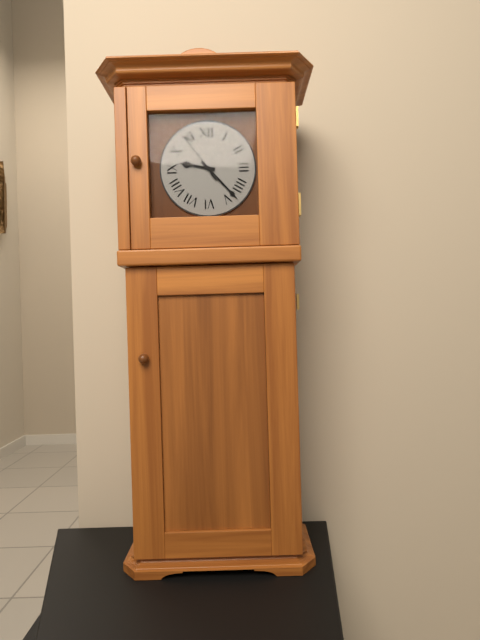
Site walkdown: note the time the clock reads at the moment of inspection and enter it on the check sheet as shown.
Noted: 9:23:54
